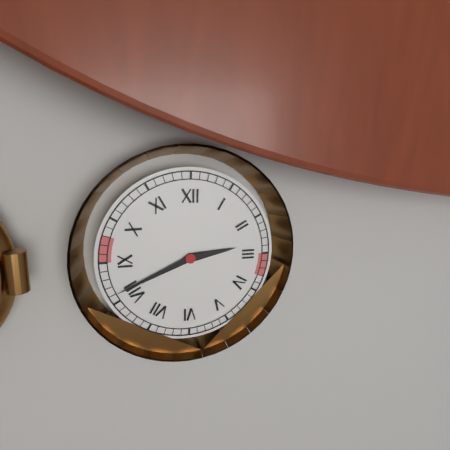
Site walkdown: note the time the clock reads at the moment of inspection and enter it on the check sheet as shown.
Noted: 2:41
